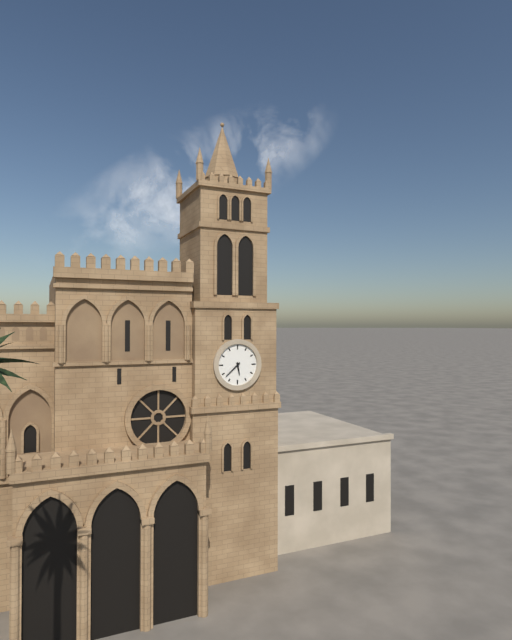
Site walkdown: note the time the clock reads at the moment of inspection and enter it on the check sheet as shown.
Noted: 5:38
